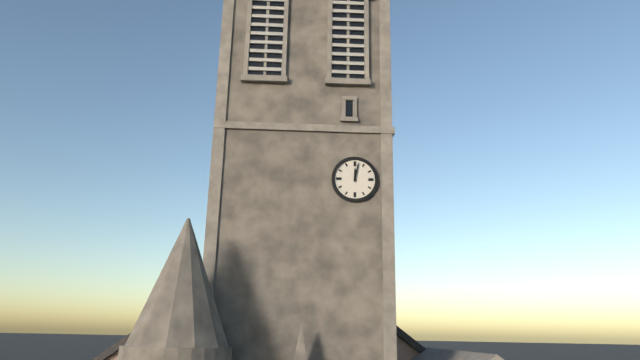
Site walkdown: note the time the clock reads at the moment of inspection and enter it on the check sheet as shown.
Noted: 12:02
